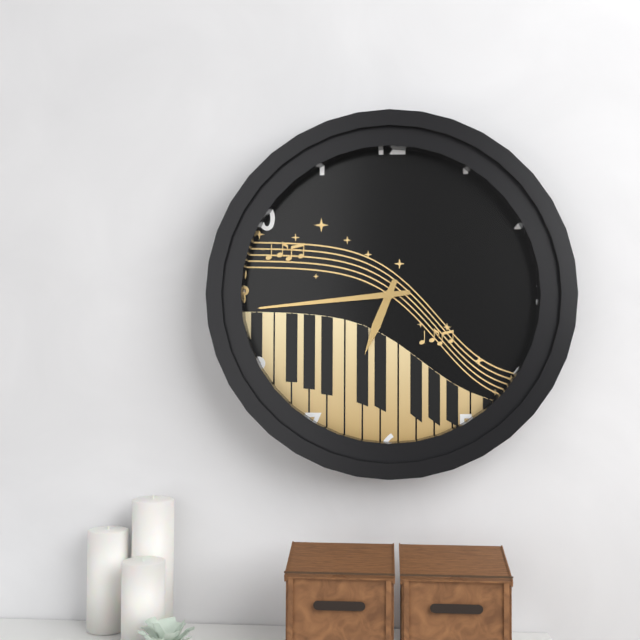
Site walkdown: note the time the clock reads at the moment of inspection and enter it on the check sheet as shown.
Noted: 6:44
